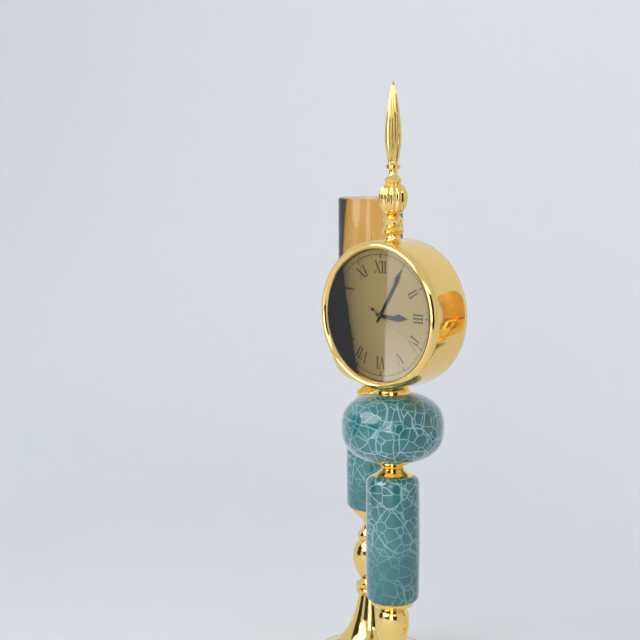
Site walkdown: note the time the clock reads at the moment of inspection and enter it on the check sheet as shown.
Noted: 3:05:20
